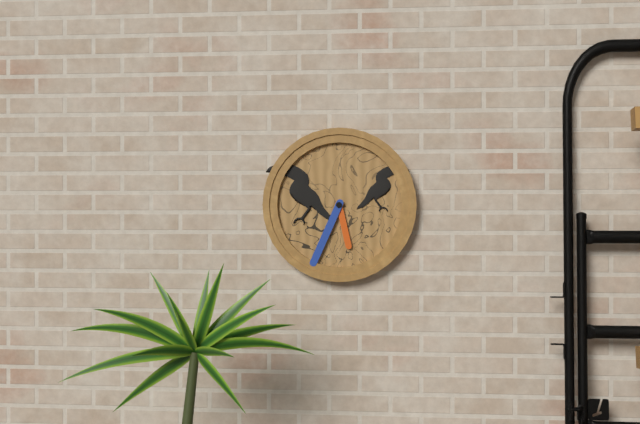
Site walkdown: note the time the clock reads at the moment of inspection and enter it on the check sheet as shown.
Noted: 5:34
